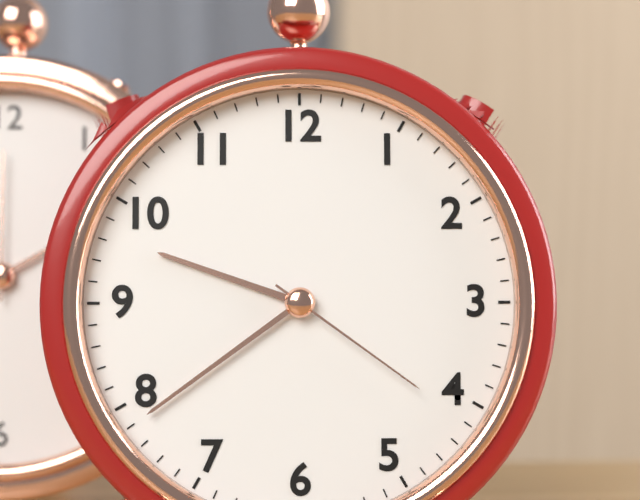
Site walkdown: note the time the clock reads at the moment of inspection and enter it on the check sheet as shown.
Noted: 9:39:21
